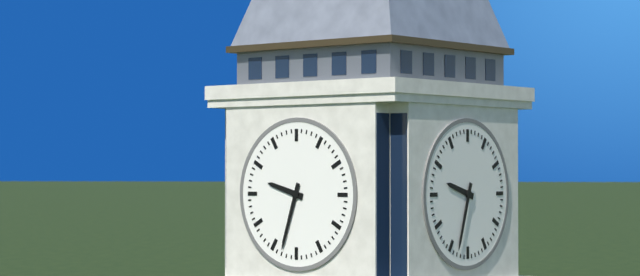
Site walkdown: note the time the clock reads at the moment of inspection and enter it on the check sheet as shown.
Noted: 9:33
